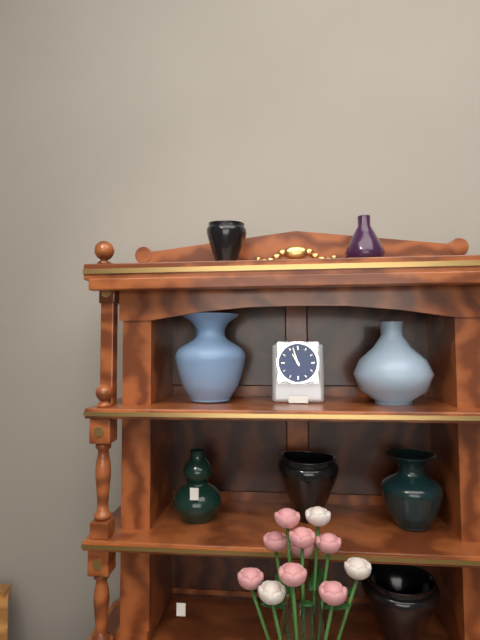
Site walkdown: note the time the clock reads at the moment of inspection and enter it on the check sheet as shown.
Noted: 10:57
